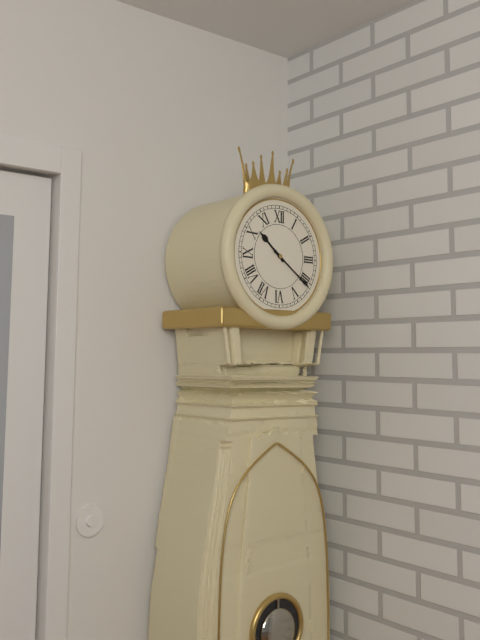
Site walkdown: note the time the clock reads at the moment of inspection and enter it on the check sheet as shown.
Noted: 10:21
